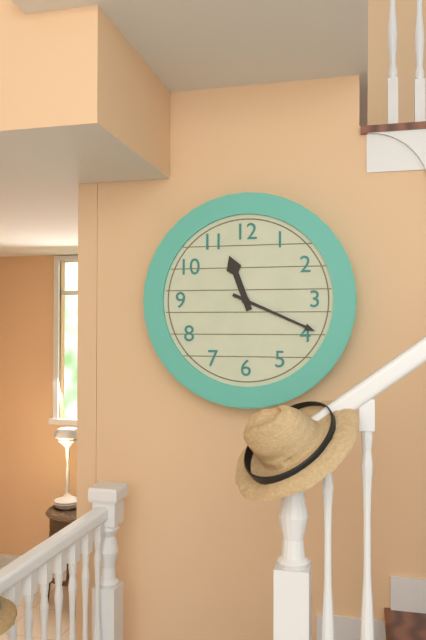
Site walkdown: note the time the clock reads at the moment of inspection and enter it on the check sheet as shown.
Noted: 11:19
